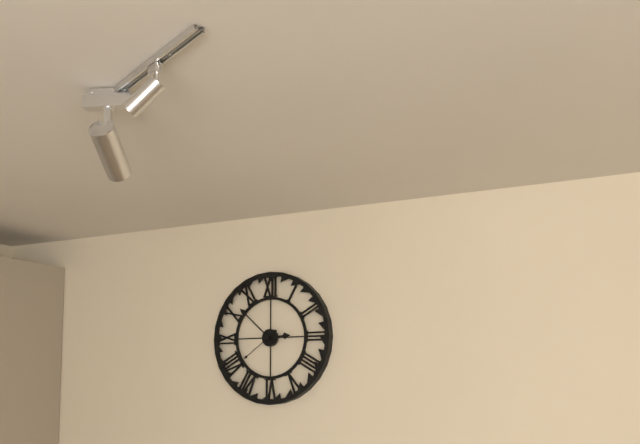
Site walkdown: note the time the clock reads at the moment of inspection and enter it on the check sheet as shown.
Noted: 2:52
